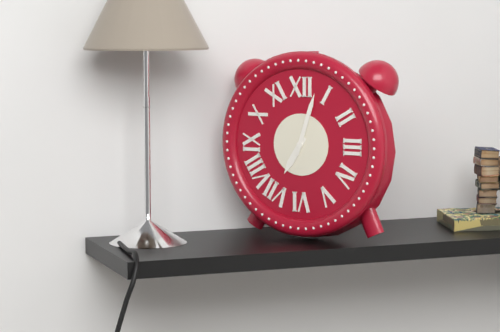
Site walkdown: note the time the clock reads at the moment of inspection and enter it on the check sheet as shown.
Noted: 7:03
